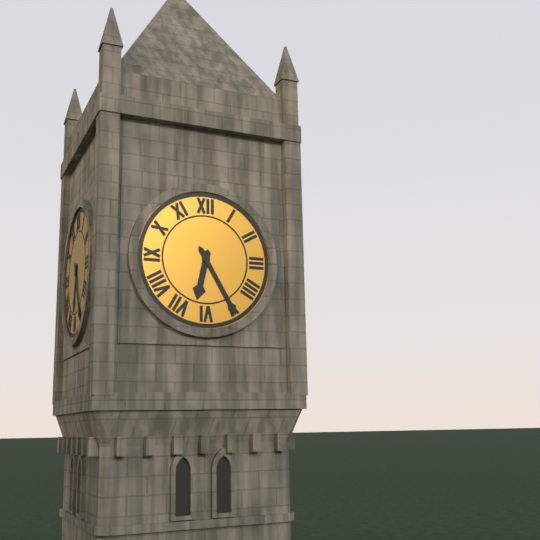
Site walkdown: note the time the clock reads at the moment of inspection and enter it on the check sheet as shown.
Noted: 6:25
